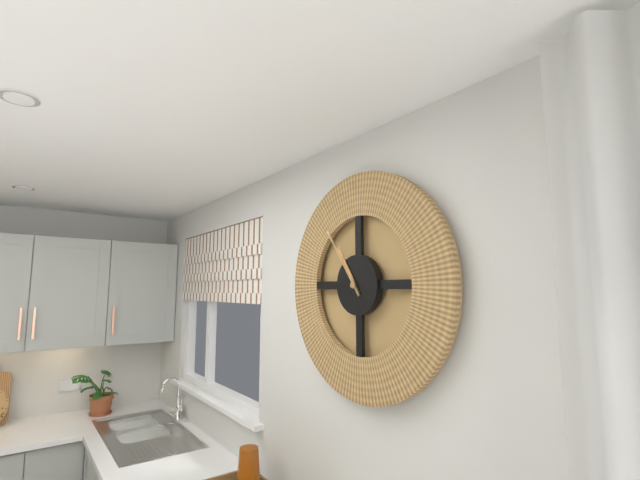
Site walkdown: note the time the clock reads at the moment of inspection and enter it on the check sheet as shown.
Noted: 10:54
